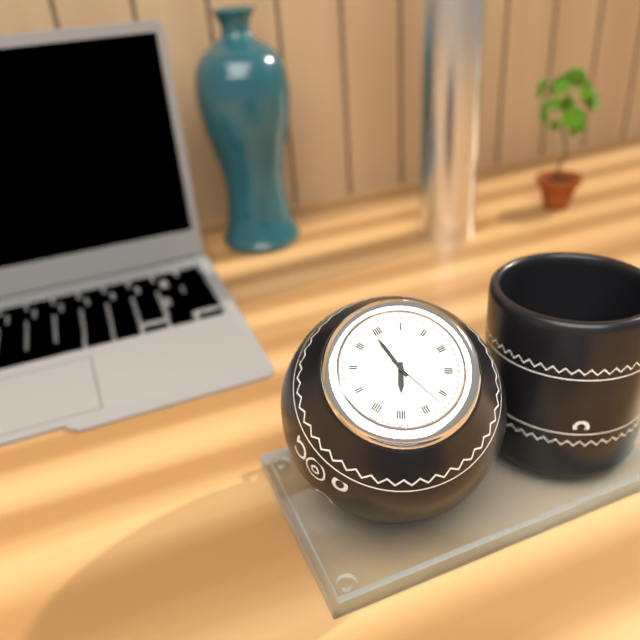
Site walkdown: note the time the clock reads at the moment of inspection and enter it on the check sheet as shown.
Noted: 6:59:27
